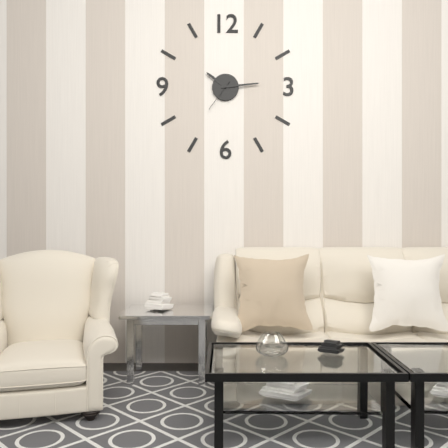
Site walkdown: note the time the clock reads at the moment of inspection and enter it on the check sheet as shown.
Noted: 10:14
